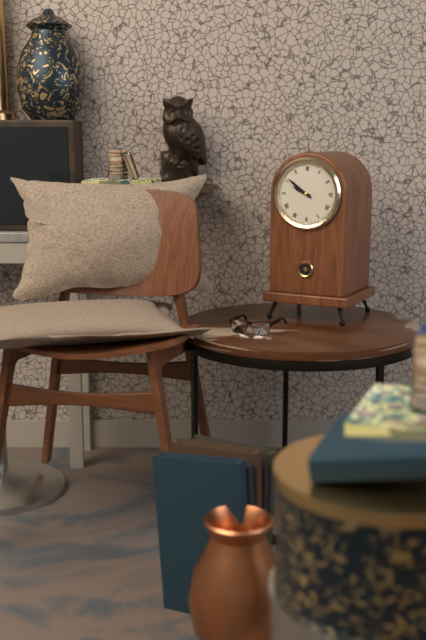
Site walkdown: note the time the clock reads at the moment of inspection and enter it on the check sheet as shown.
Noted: 9:51
